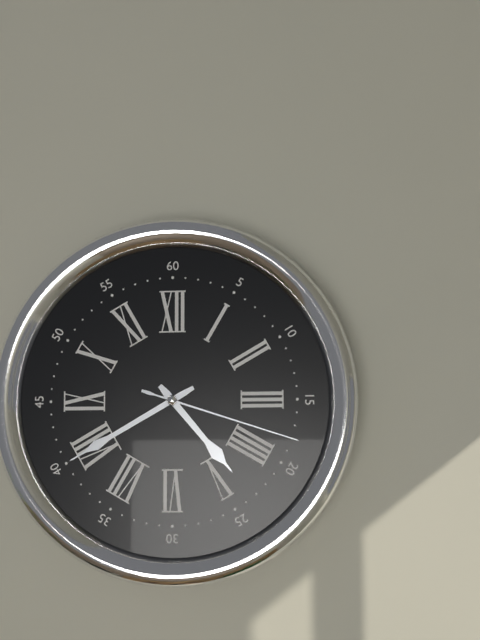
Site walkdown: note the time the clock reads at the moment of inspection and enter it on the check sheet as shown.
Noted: 4:40:18
